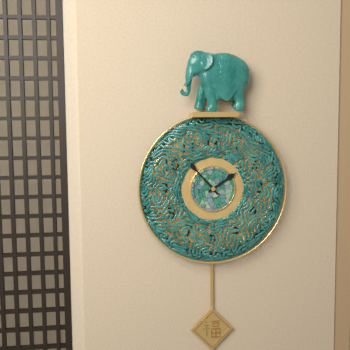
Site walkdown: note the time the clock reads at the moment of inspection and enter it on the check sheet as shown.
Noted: 1:53
